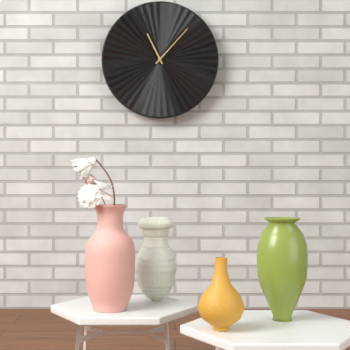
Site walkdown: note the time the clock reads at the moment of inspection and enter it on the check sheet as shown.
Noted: 11:07
